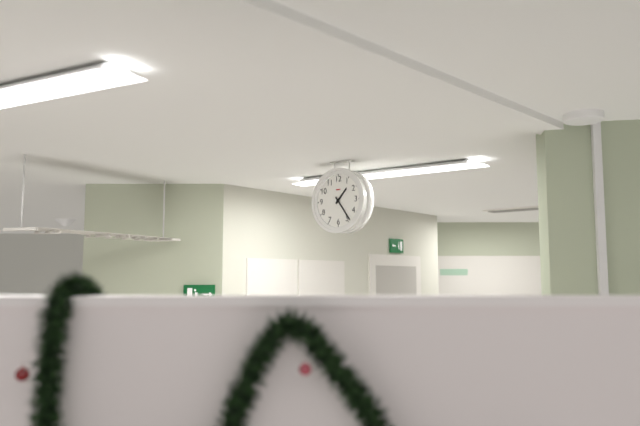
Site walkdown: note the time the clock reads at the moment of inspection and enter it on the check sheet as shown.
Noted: 1:24
